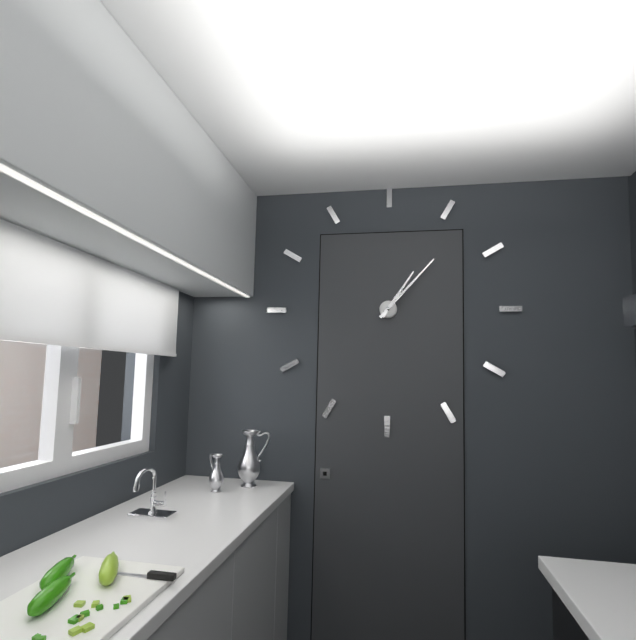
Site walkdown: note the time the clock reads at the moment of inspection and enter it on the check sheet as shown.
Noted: 1:07
